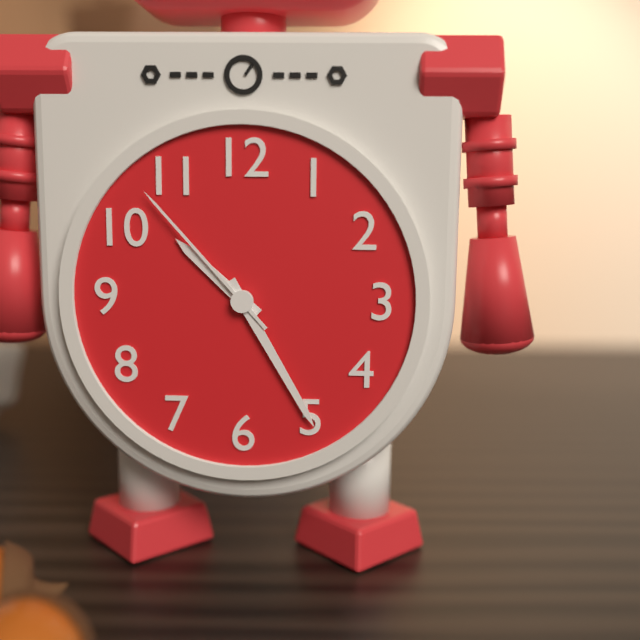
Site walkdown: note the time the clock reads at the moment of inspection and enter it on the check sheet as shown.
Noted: 10:25:53
